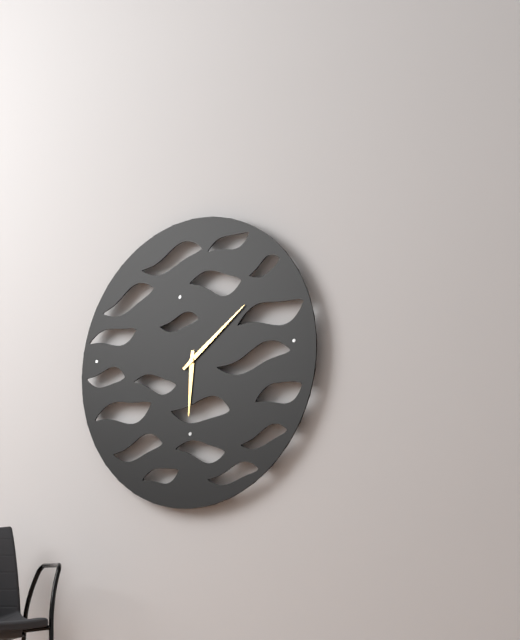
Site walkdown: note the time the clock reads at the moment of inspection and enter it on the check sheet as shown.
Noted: 6:09
